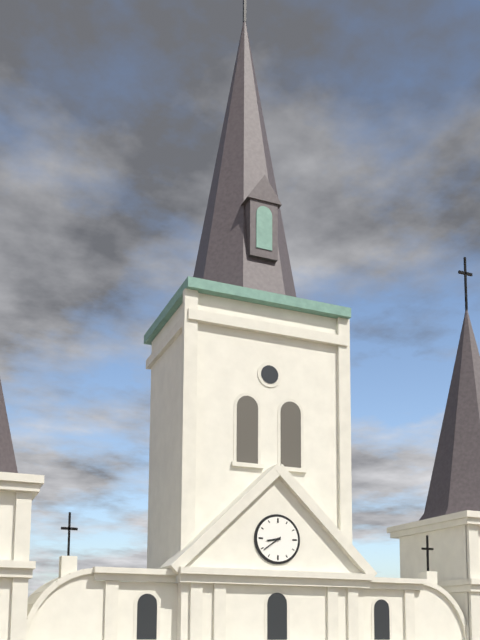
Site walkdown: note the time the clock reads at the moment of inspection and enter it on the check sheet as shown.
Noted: 8:39
